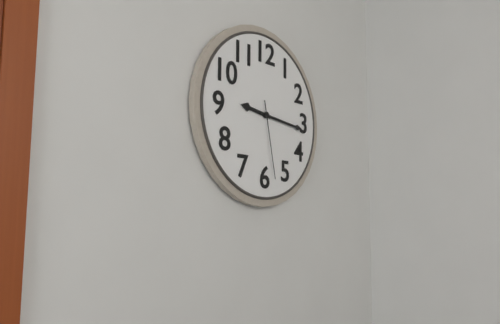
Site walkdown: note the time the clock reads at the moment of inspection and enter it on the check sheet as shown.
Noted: 9:16:28
